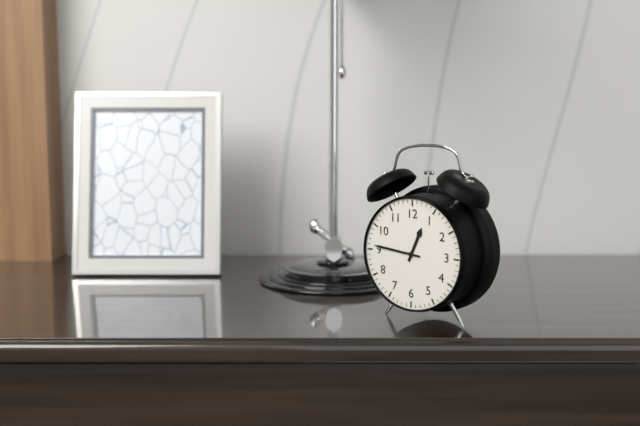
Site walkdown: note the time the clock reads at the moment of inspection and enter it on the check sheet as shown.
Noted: 12:46
